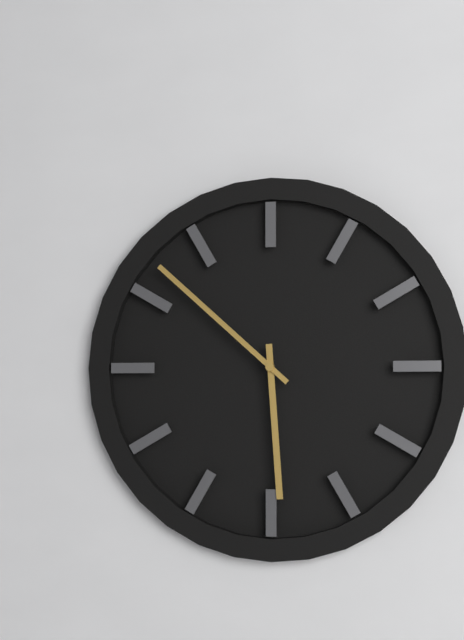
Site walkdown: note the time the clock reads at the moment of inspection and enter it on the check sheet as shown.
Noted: 5:52
